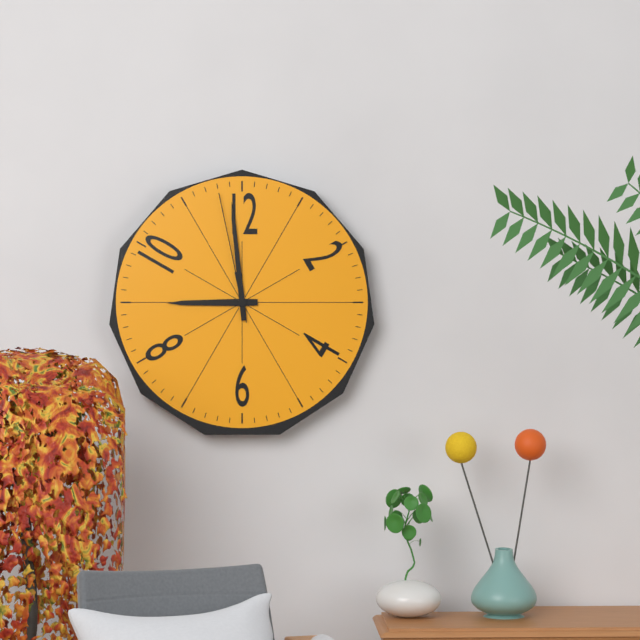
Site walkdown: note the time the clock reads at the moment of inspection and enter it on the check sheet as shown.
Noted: 8:59:58
